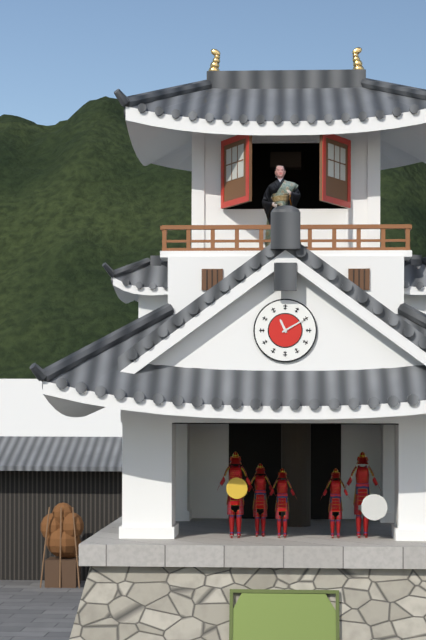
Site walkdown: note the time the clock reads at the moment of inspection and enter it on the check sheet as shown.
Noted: 11:10
